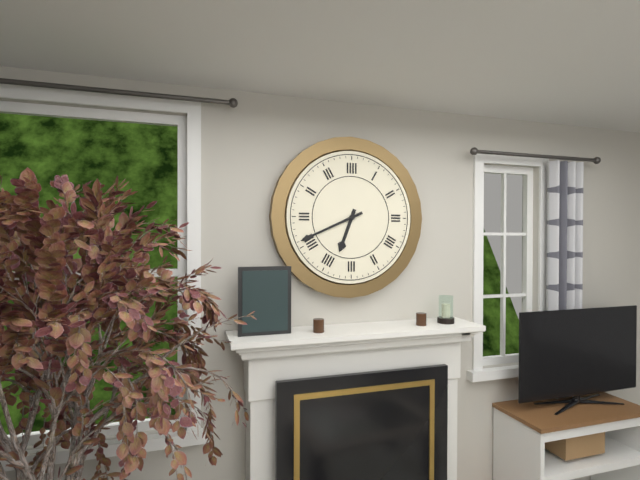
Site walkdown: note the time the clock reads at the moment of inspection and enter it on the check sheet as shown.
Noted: 6:41
